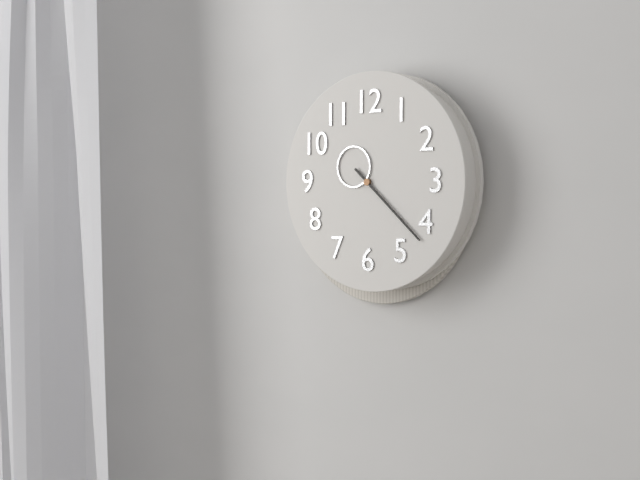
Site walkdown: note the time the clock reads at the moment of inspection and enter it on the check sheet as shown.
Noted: 10:22
